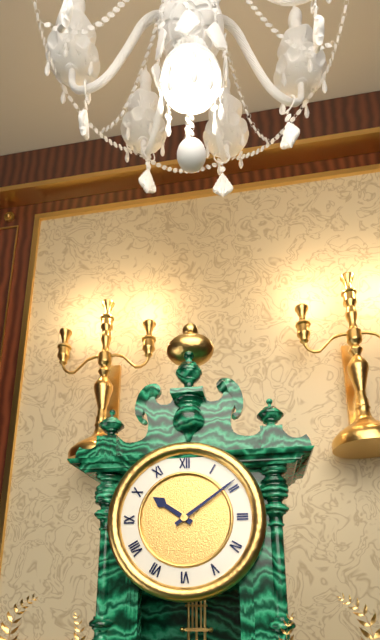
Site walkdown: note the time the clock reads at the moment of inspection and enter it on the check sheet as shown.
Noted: 10:09
